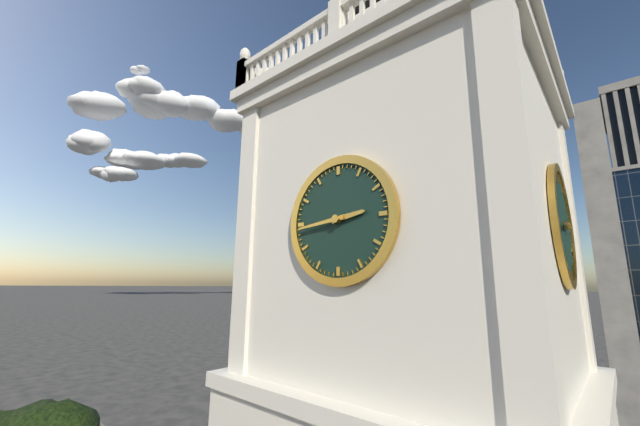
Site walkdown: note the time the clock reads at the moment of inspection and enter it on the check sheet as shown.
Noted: 2:44
